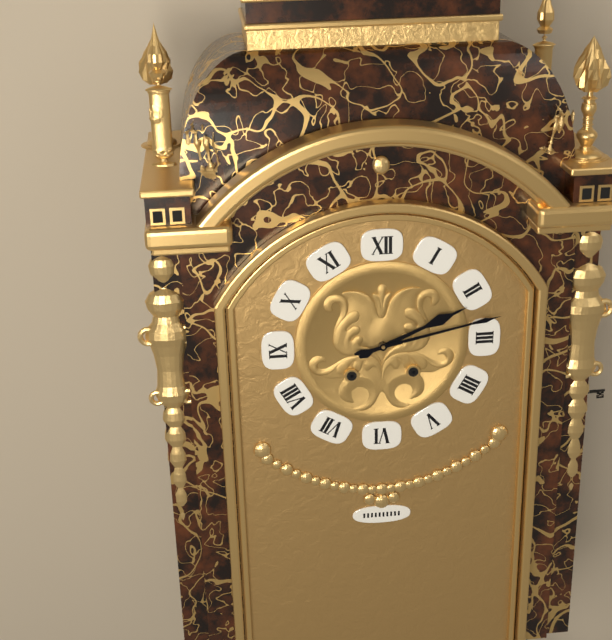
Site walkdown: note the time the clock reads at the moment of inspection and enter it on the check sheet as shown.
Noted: 2:13
